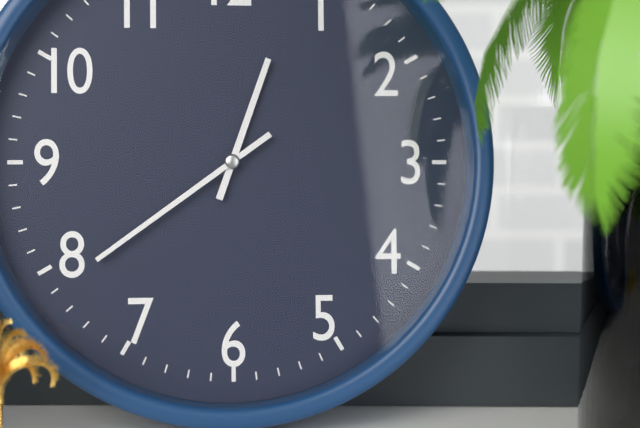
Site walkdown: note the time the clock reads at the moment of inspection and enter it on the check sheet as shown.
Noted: 12:39
